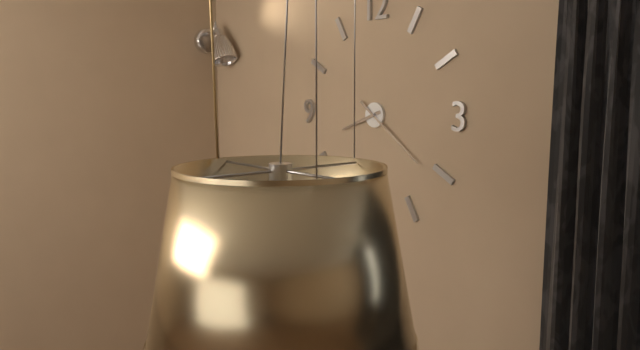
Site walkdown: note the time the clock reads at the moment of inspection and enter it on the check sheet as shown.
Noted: 8:21
